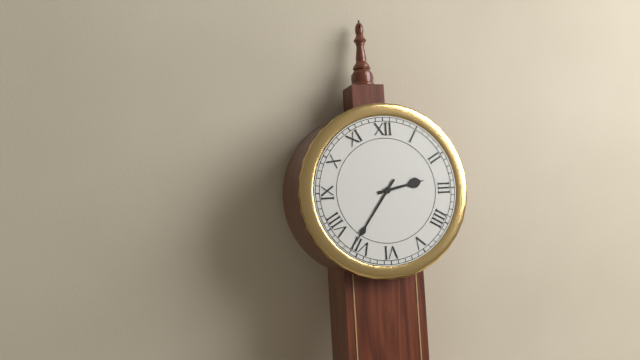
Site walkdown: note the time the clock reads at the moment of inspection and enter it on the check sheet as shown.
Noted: 2:36
